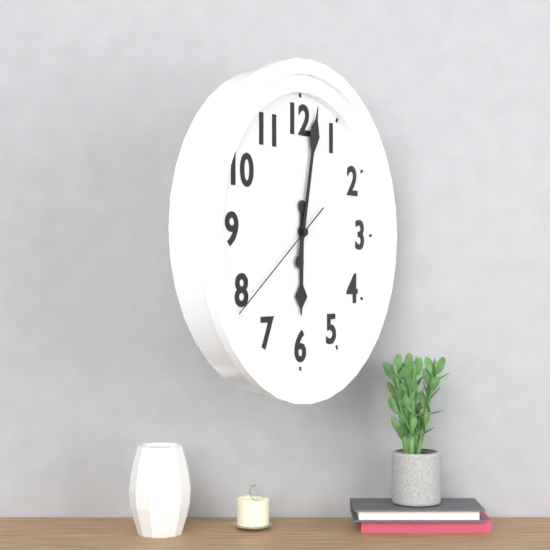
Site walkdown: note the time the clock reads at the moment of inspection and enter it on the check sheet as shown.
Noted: 6:02:39
